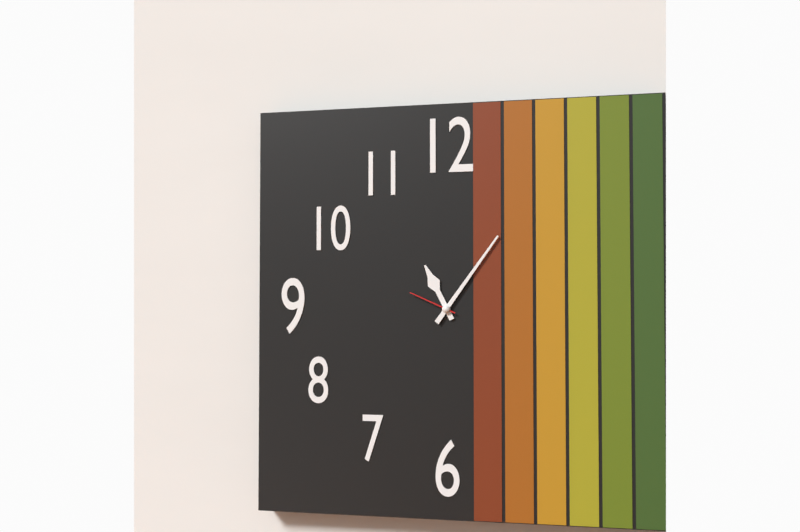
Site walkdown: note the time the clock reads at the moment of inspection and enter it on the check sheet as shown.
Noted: 11:06
